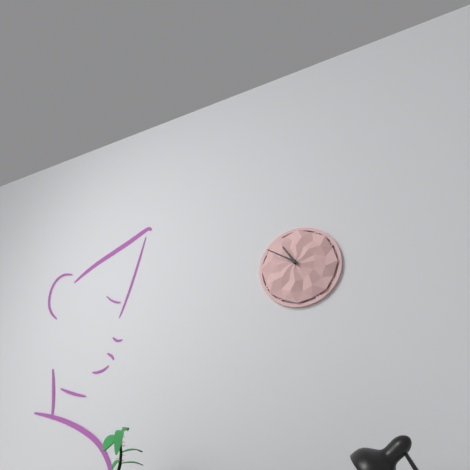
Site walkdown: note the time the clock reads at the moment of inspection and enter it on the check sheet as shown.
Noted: 10:50
